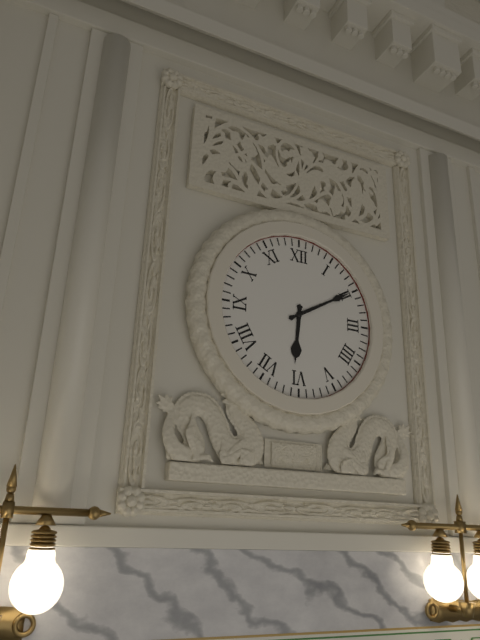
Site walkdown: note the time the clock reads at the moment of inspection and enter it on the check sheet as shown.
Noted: 6:10
